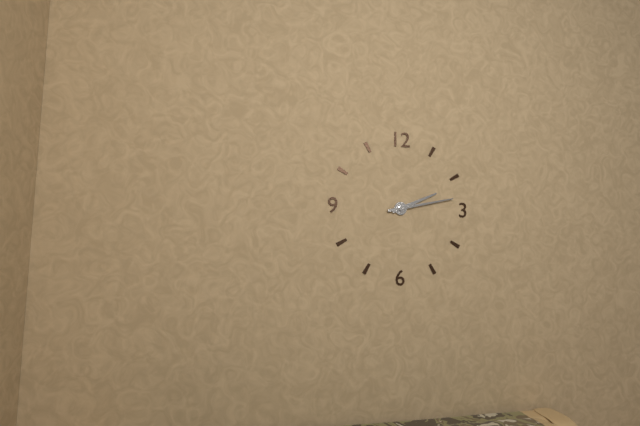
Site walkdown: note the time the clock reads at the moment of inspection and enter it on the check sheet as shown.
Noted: 2:13
